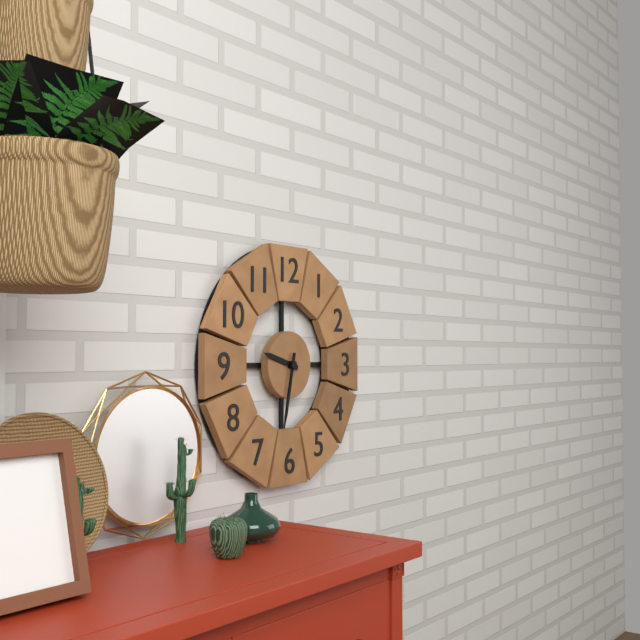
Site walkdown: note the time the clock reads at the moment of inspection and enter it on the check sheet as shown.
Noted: 9:32
